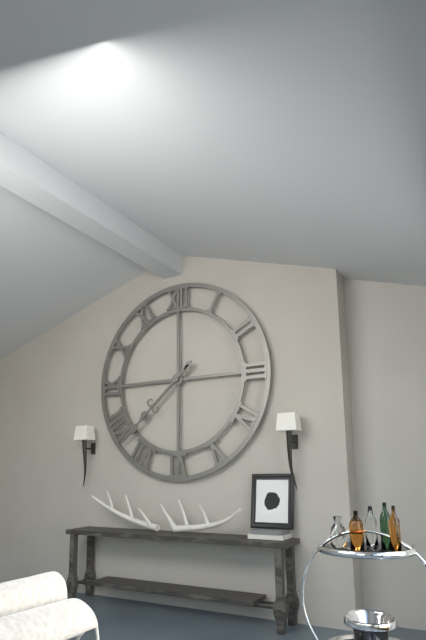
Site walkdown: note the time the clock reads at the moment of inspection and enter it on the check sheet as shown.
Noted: 7:38
